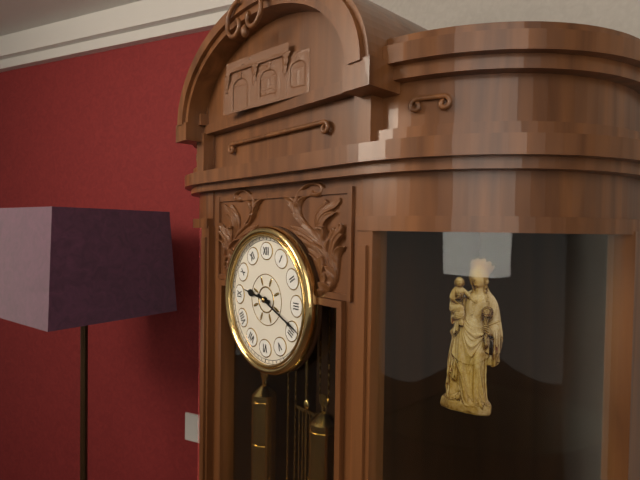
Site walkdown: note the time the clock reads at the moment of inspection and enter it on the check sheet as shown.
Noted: 9:19
